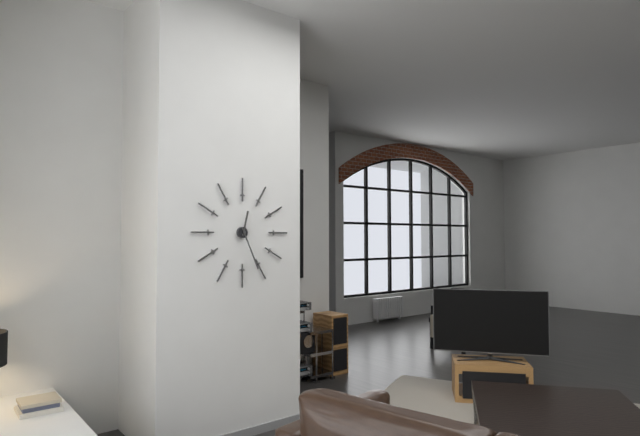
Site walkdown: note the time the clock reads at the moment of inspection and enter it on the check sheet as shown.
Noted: 12:26
